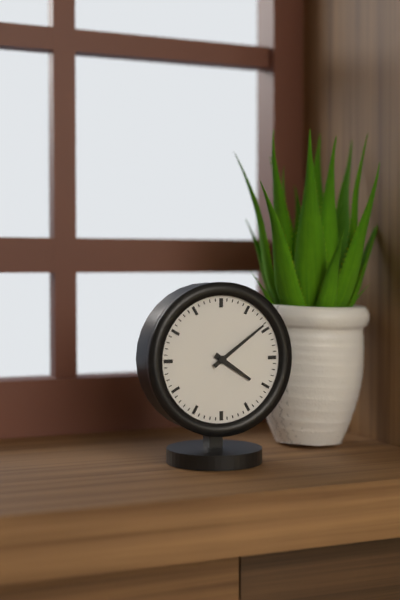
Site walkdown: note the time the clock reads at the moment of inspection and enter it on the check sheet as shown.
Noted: 4:09
